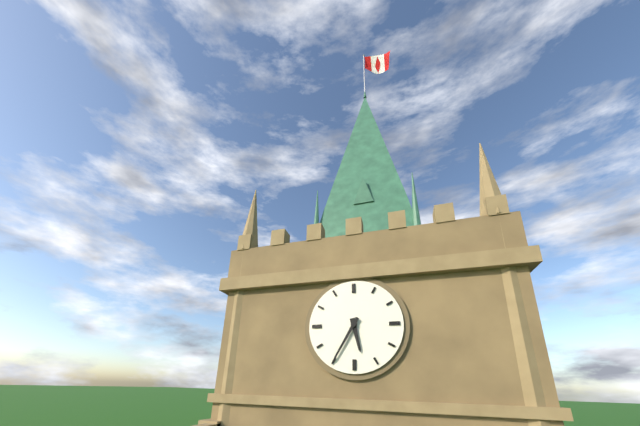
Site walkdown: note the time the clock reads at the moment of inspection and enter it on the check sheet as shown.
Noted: 5:35
